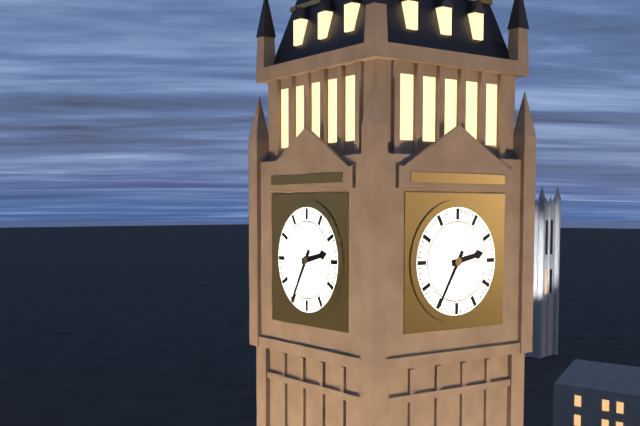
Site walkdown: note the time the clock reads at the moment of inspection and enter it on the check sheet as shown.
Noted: 2:35
